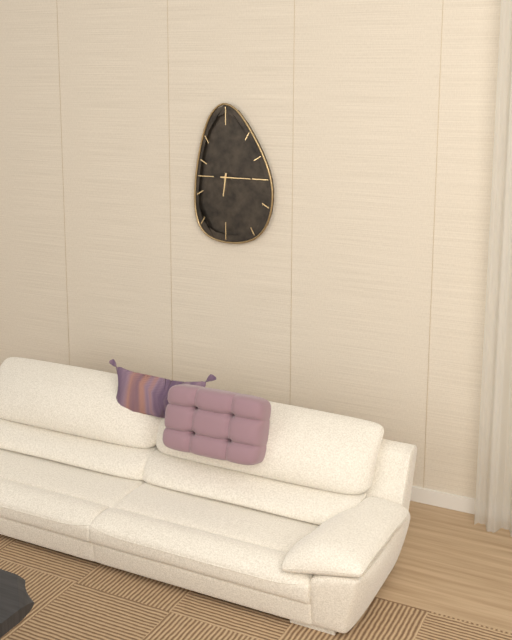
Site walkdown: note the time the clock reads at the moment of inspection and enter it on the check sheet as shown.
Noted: 6:15
